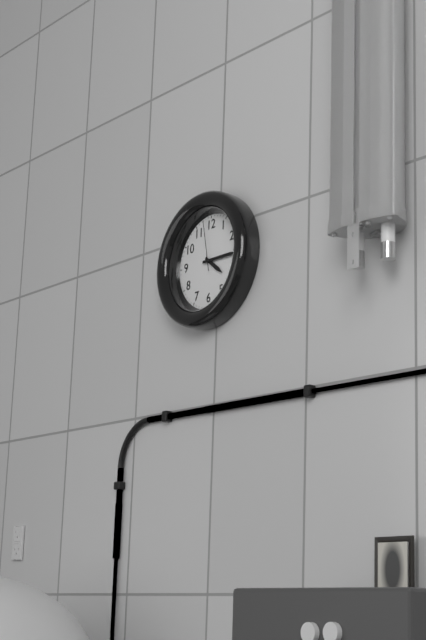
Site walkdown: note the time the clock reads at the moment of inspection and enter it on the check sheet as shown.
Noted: 4:15:58
